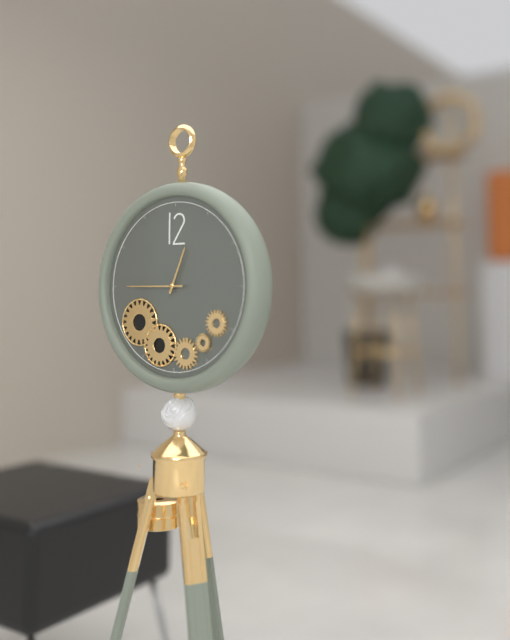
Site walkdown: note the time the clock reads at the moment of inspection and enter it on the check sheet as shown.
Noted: 12:45
